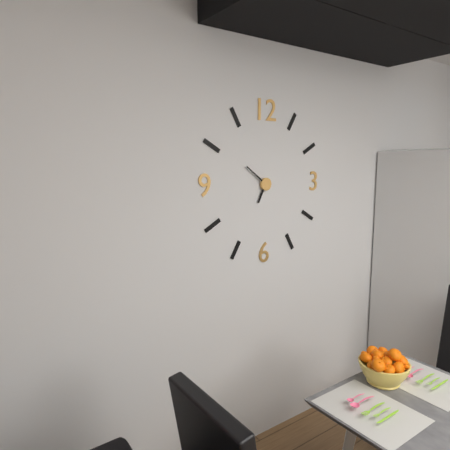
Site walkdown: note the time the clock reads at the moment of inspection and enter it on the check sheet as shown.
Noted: 6:51
